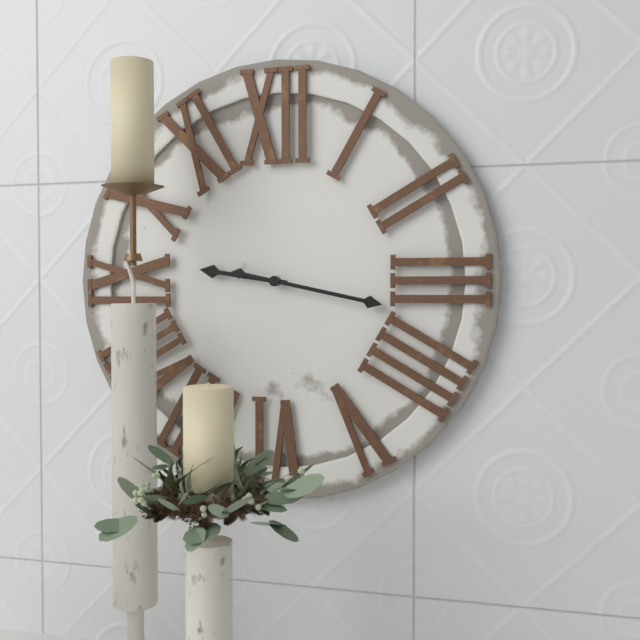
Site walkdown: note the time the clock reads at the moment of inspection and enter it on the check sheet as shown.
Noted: 9:17
